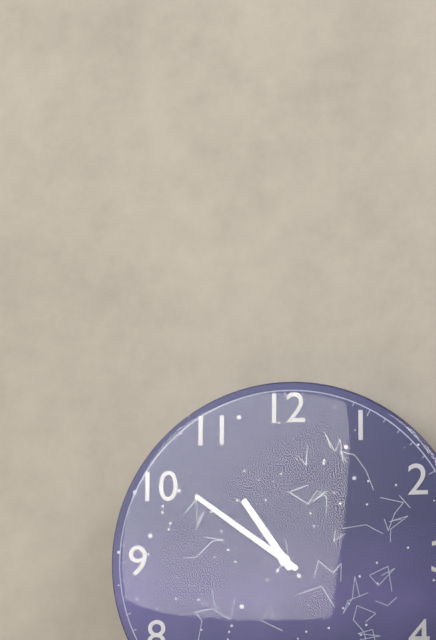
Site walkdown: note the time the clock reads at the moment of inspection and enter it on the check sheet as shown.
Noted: 10:51
